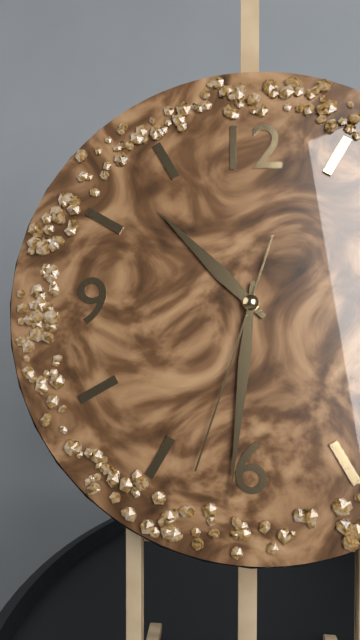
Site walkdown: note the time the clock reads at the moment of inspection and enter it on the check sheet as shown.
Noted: 10:31:33
